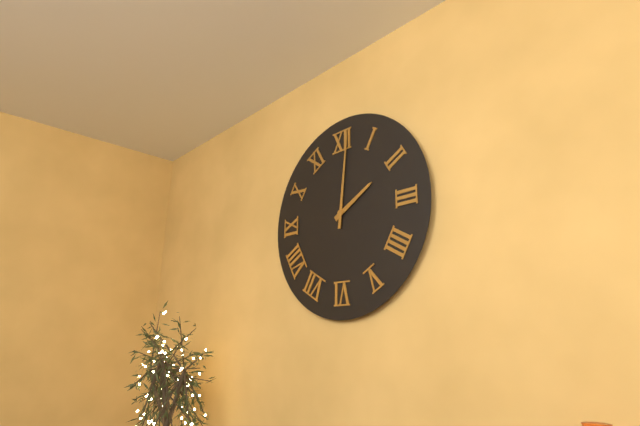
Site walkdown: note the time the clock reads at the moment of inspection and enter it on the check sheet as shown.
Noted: 2:01
